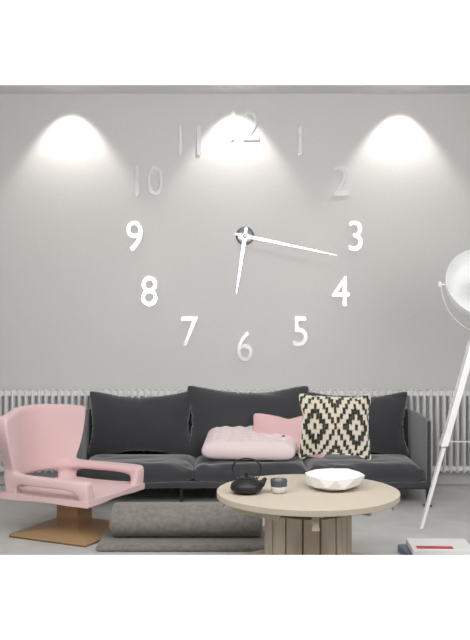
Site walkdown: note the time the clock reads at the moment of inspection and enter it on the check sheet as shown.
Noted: 6:17
